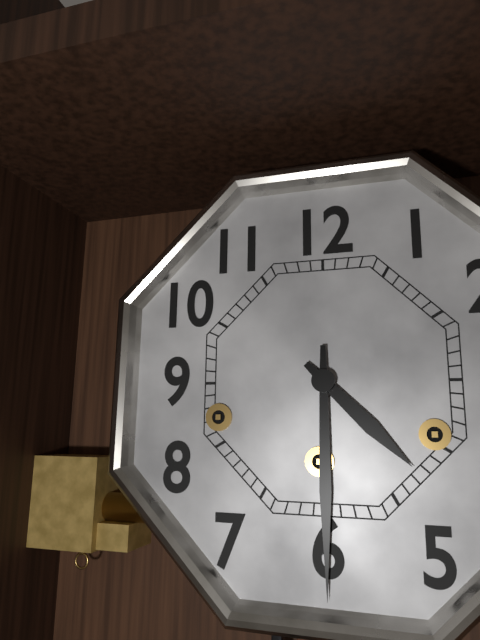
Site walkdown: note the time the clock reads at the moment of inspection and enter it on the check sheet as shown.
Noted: 4:30
